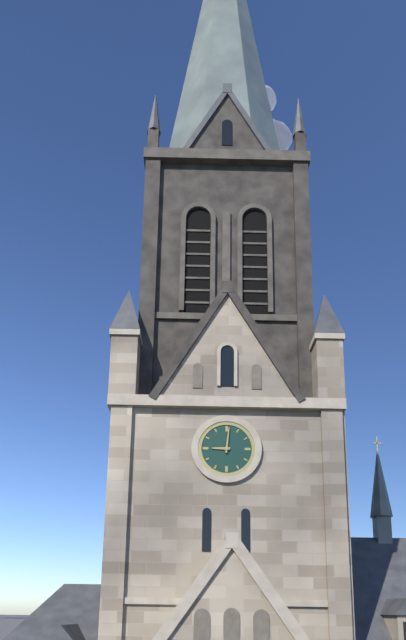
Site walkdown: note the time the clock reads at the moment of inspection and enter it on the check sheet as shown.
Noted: 9:01
